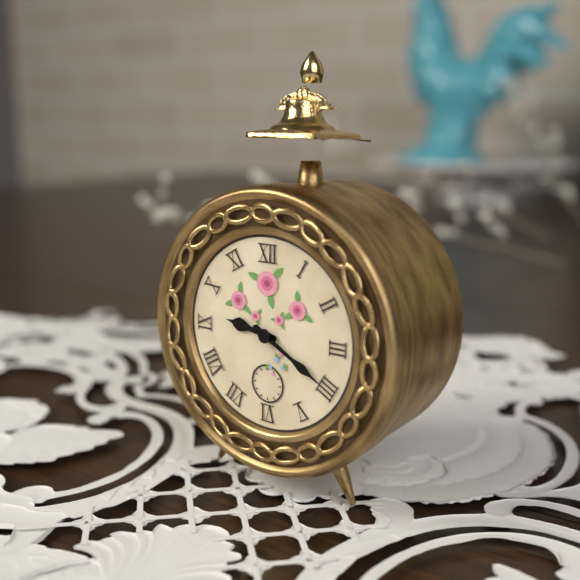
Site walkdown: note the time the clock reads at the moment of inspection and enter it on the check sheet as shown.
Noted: 9:20
